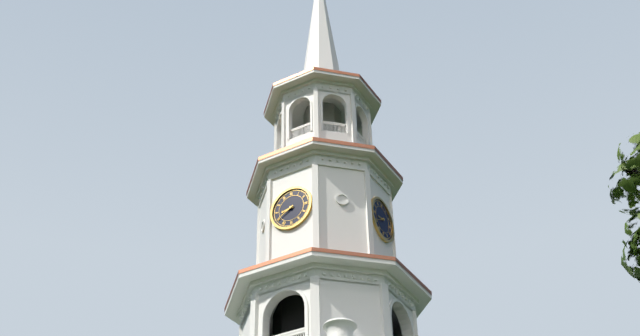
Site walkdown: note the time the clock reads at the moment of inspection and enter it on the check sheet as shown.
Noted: 8:40
